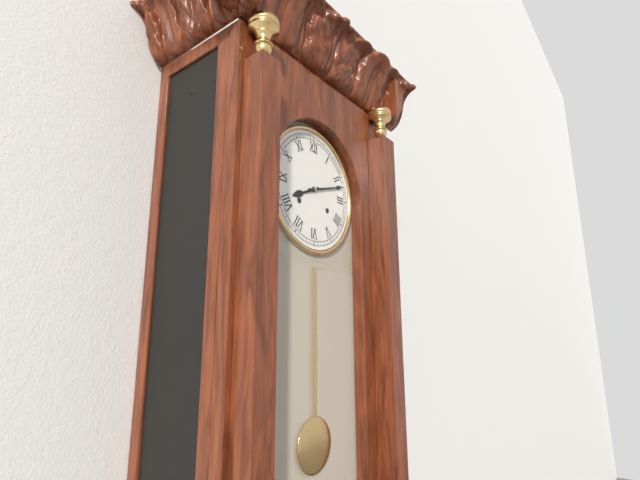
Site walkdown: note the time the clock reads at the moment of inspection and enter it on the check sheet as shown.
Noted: 8:12
